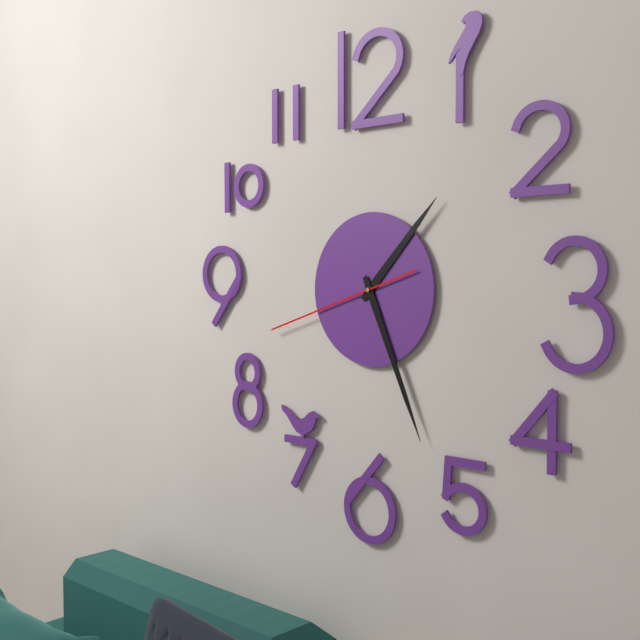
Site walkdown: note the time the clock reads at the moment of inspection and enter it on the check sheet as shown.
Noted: 1:26:42
